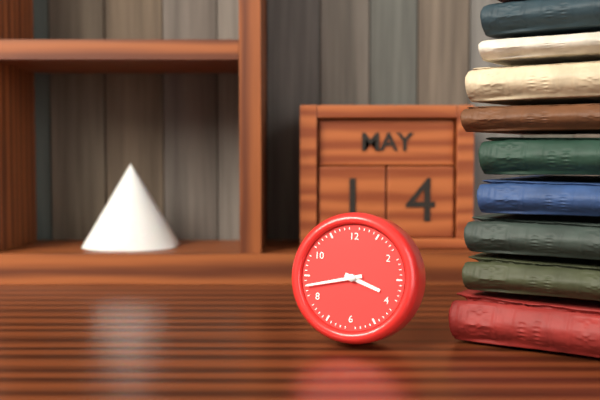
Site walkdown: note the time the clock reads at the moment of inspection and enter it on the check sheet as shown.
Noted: 3:43
